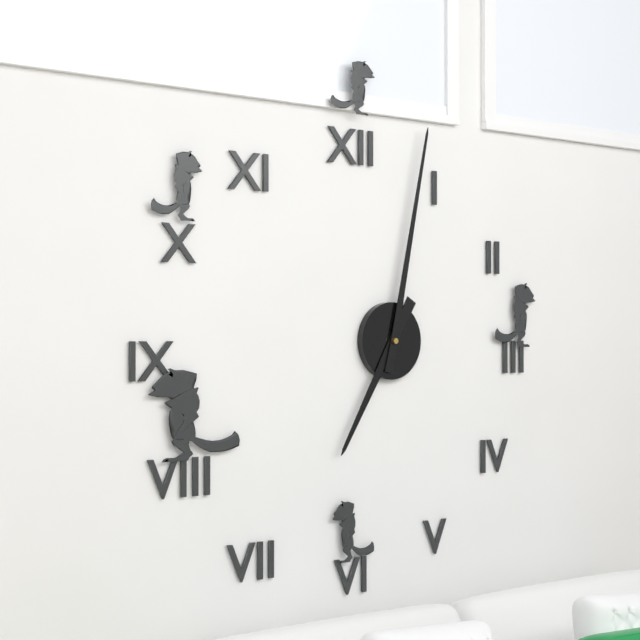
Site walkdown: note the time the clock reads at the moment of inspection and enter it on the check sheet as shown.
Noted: 7:02
